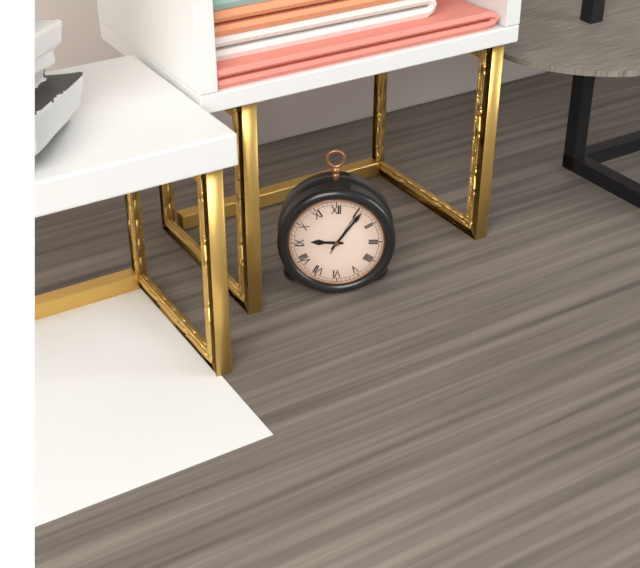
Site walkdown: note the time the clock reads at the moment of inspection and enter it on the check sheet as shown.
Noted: 9:06:05
